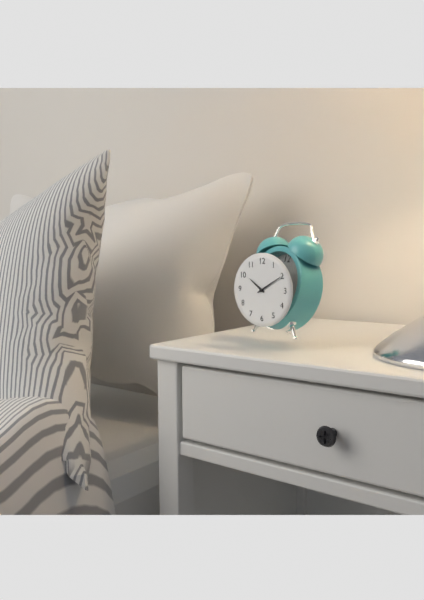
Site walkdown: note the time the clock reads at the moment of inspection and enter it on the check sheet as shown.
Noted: 10:10
